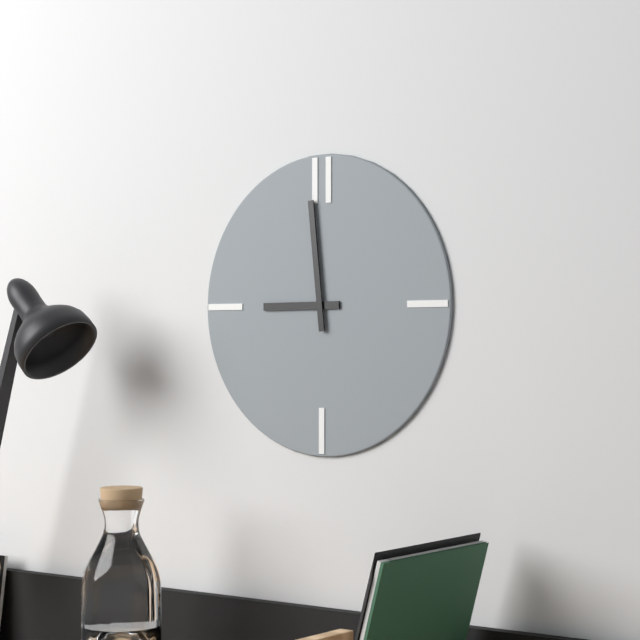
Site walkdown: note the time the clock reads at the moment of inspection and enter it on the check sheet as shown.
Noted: 8:59
